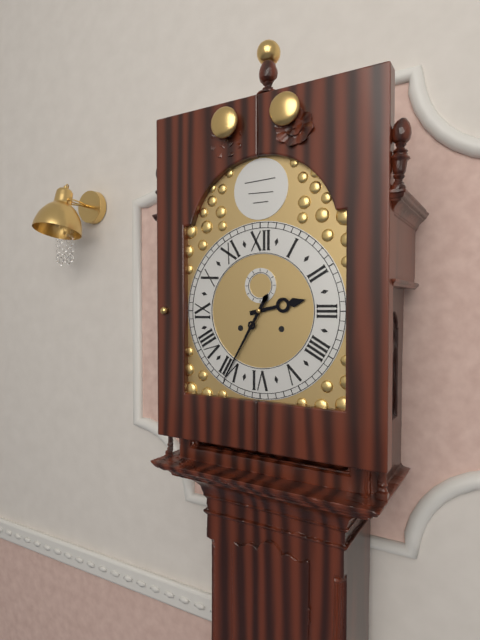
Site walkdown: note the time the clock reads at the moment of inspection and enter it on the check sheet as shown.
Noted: 2:35
